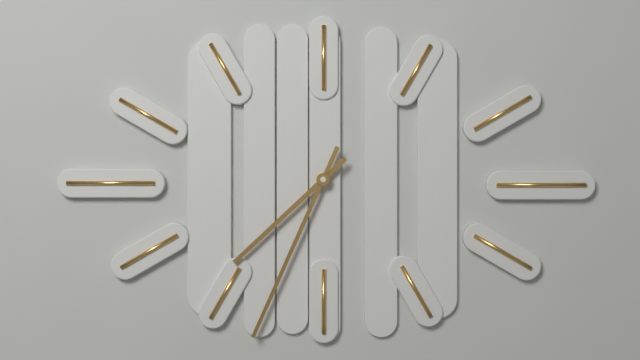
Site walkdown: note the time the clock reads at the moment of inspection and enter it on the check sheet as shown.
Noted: 7:34
